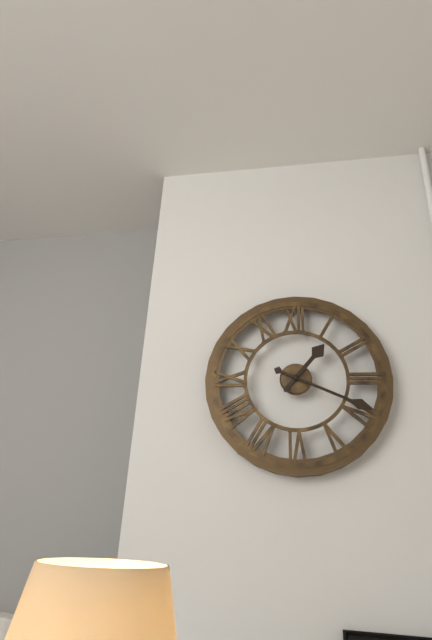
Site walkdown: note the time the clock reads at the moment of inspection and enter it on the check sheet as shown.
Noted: 1:19
